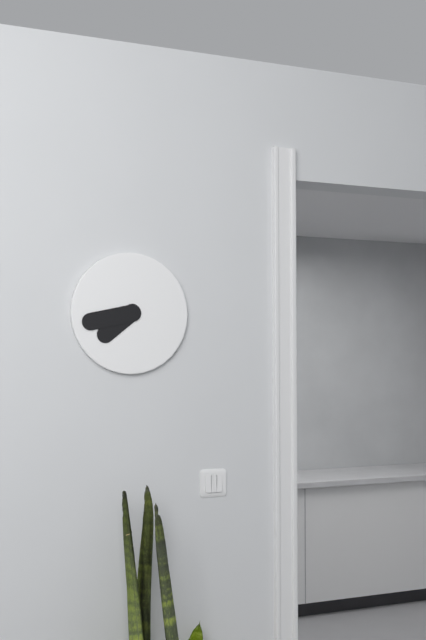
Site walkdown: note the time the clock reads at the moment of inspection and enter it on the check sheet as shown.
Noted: 7:43
